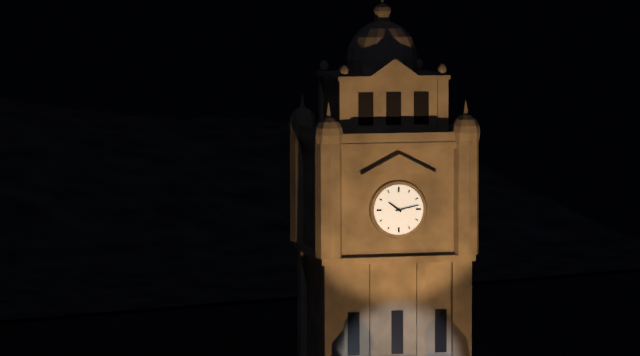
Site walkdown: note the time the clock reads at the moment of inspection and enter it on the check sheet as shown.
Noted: 10:13
